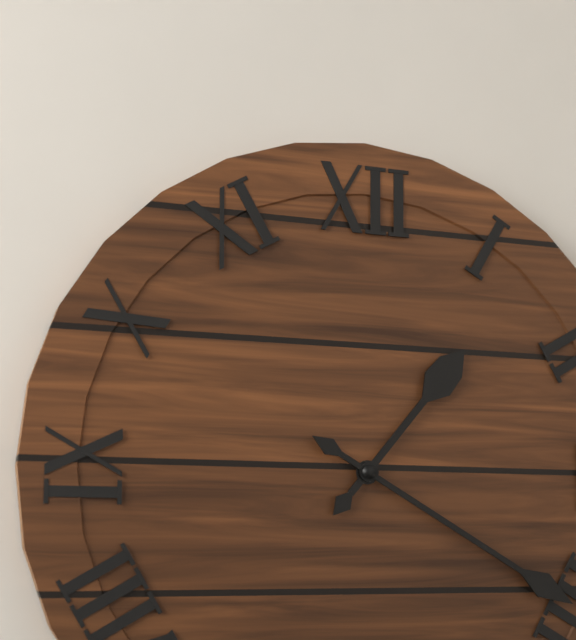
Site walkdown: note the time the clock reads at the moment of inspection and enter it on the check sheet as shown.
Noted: 1:20
